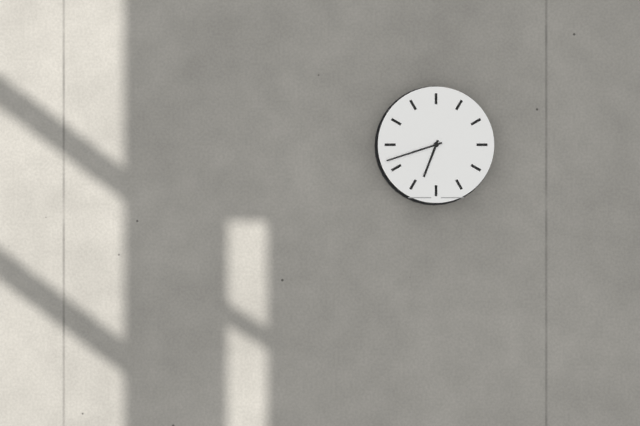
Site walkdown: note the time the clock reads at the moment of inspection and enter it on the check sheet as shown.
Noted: 6:42
